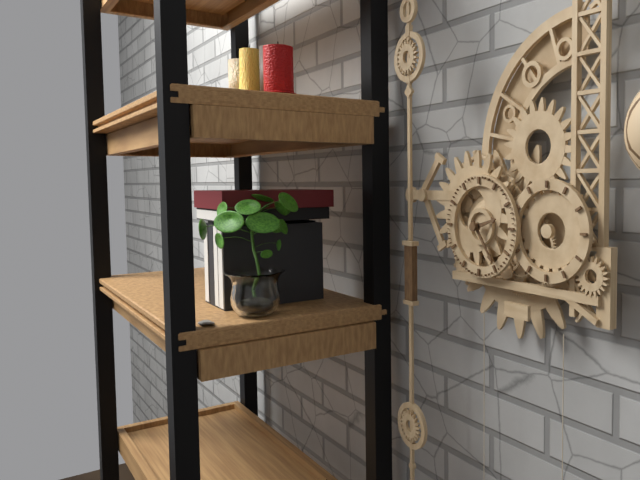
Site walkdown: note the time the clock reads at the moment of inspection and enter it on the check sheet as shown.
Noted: 2:24
